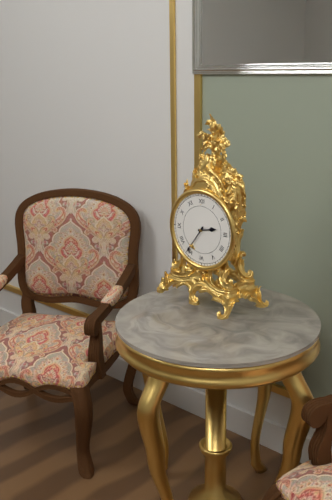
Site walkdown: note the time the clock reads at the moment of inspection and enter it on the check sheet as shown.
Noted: 2:36
